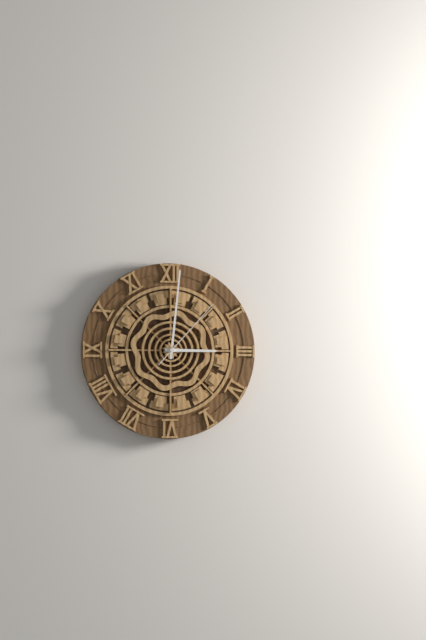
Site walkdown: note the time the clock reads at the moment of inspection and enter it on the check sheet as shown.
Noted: 3:01:07
